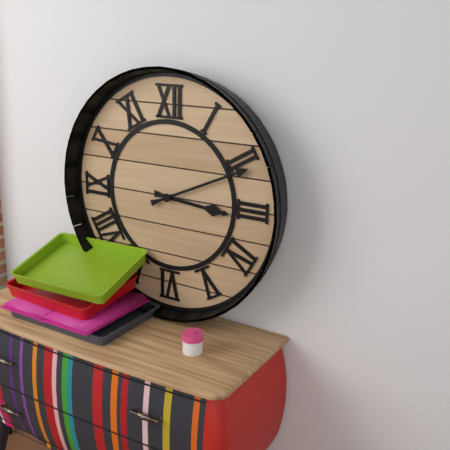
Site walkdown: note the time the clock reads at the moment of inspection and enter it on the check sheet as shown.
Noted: 3:11
